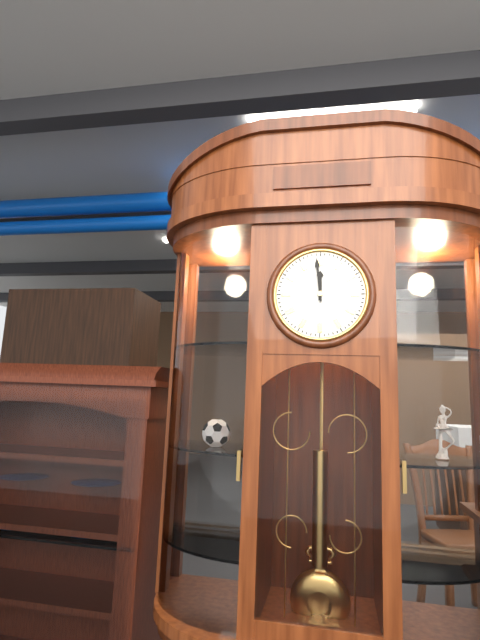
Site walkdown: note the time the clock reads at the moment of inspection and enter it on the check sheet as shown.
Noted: 11:59
